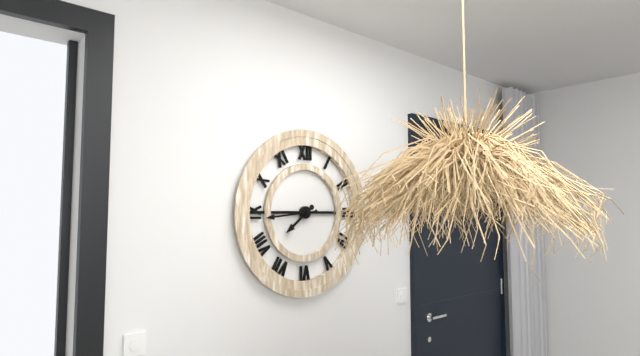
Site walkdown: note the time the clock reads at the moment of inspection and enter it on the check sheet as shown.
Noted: 7:44
